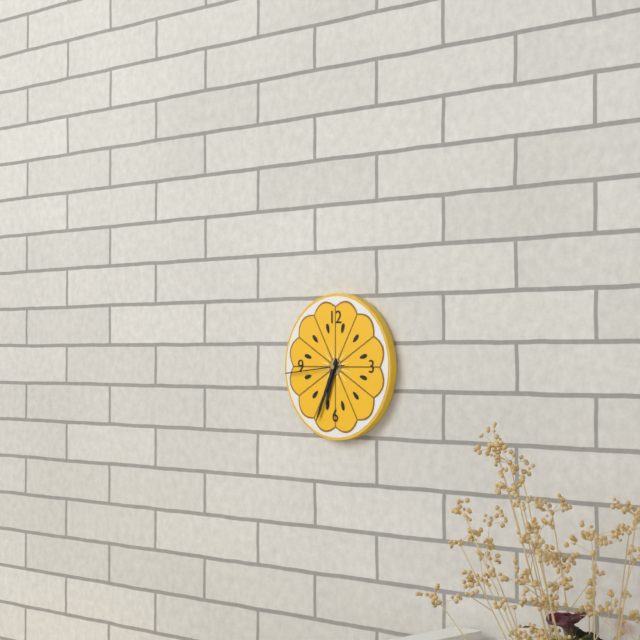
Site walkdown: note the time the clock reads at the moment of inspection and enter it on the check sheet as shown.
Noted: 6:34:44
